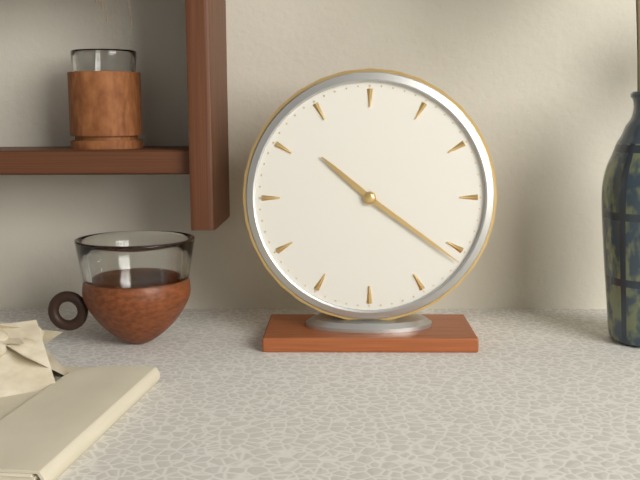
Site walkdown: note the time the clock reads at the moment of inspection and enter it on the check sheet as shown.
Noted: 10:21
